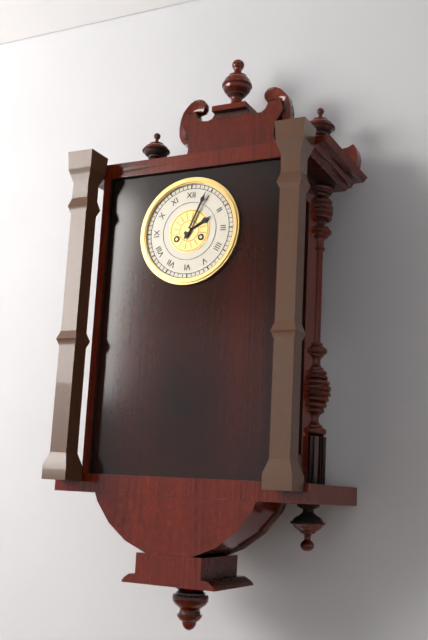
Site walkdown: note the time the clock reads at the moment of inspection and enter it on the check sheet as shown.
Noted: 2:04
